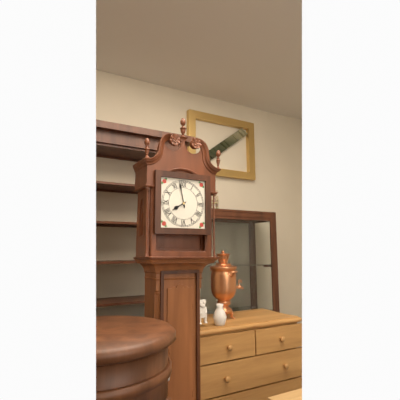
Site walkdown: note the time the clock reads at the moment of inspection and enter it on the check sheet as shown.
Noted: 7:58
